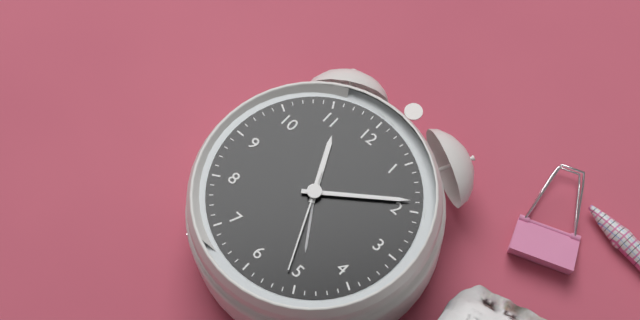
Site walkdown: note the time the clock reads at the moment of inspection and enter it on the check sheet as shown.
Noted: 11:09:26
